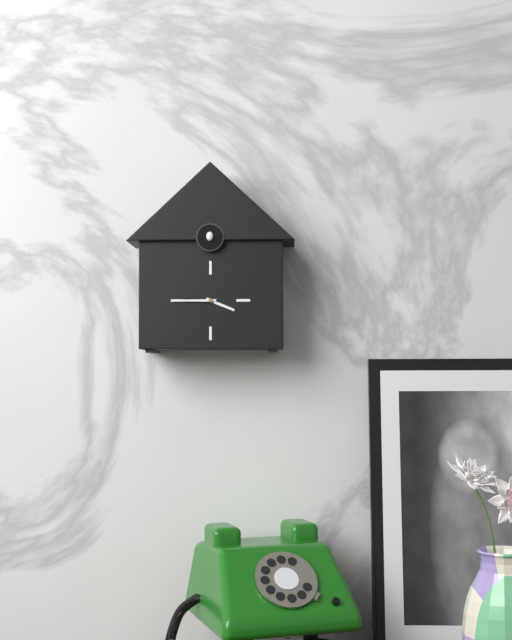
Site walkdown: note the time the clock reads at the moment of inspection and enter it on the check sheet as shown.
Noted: 3:45
